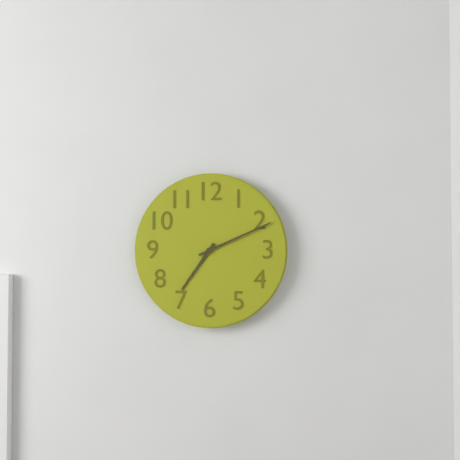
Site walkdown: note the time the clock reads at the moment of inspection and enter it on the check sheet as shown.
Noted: 7:11
